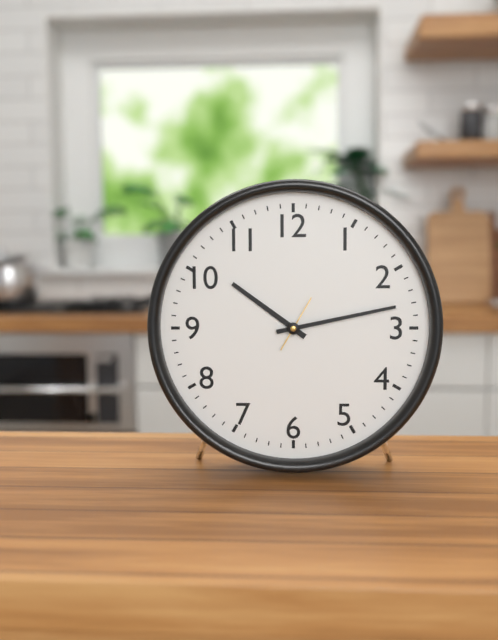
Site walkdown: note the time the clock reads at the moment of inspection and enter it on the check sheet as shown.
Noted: 10:13
